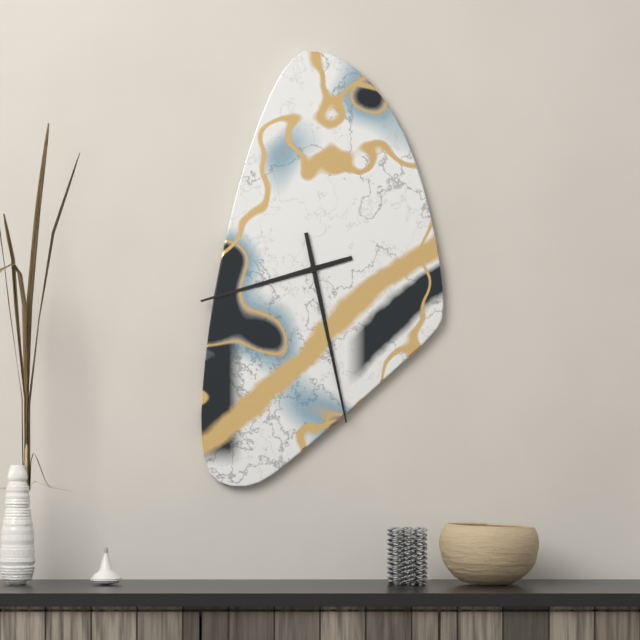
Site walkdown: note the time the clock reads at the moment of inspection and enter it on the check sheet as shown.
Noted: 8:28
